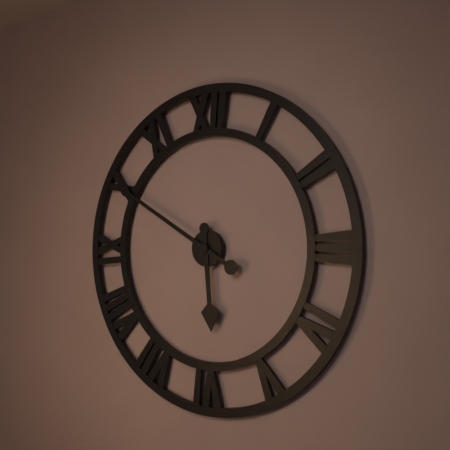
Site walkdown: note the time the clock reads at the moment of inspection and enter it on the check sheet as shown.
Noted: 5:50
